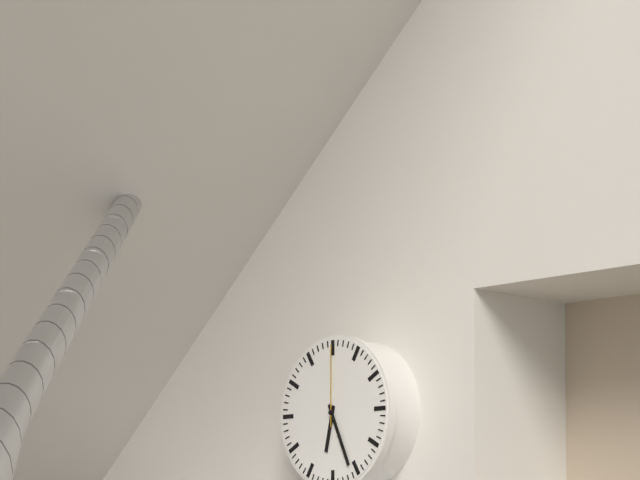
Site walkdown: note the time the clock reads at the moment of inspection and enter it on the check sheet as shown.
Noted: 6:26:00
